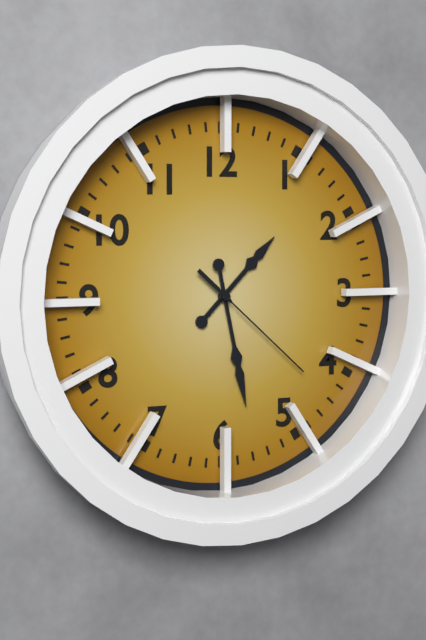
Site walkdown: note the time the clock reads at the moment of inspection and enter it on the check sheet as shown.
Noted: 1:28:22
